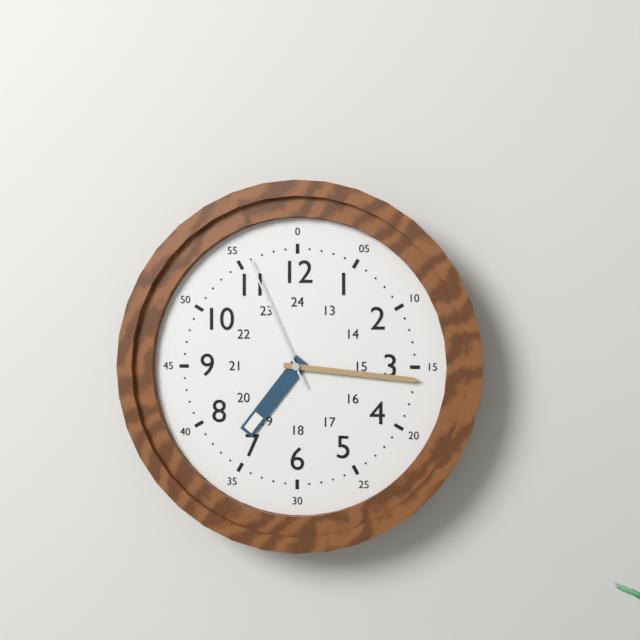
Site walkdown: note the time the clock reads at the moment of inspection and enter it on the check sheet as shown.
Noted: 7:16:56
